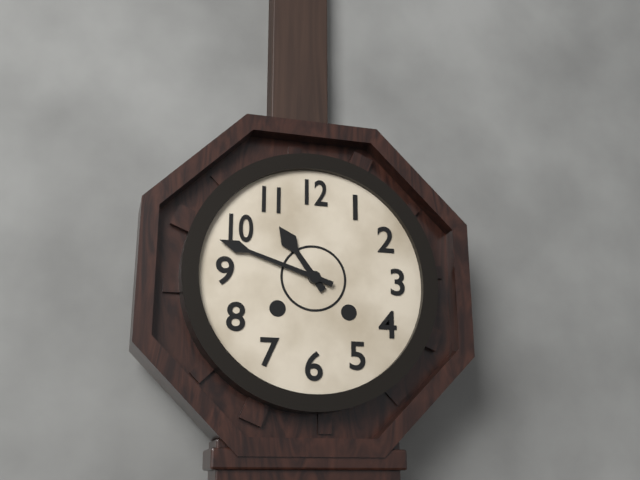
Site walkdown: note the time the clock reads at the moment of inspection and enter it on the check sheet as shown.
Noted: 10:48
